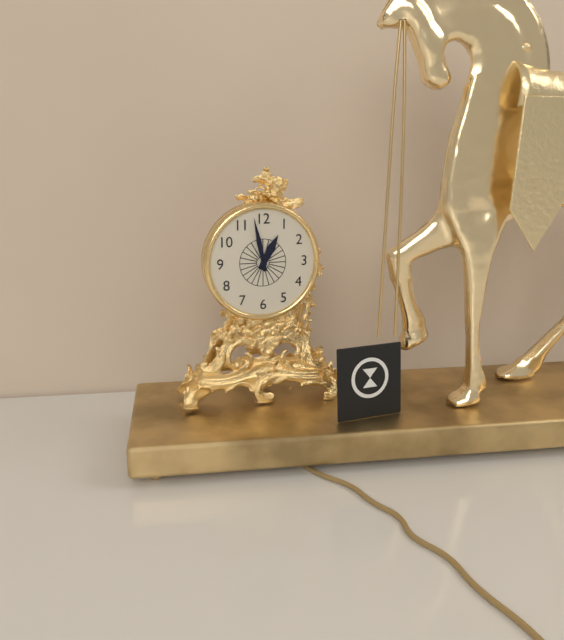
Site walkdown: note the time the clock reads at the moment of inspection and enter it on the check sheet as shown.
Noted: 12:58
